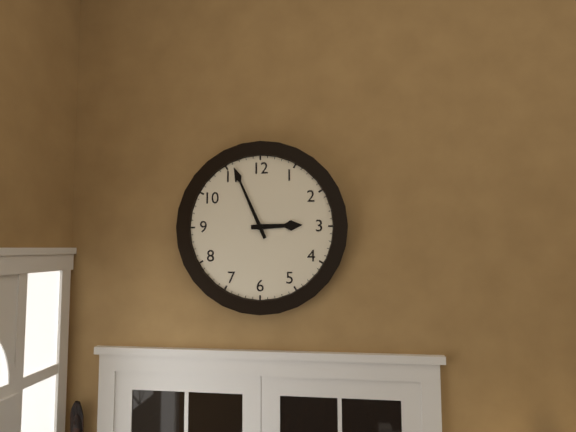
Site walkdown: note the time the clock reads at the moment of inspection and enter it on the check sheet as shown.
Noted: 2:56
